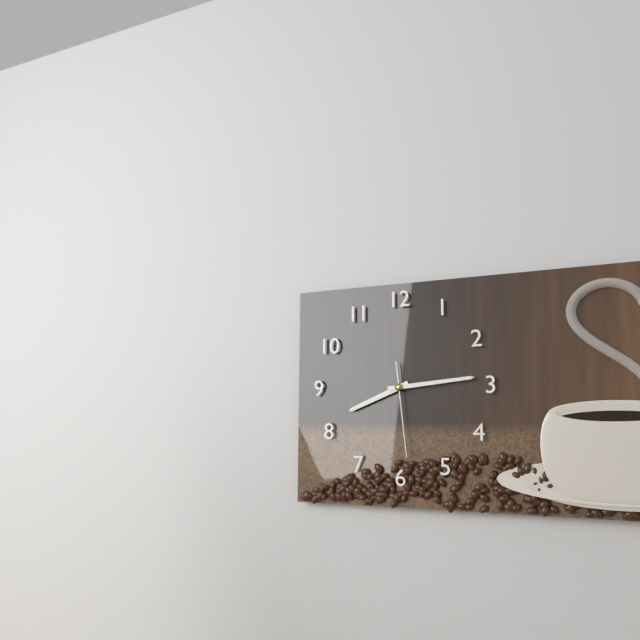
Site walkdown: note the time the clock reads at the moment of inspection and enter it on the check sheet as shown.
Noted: 8:14:29
